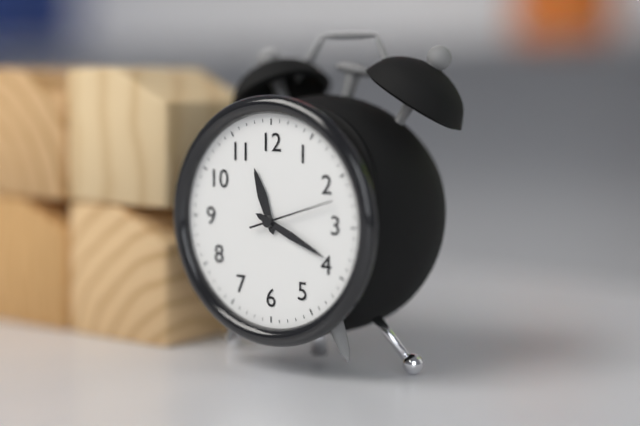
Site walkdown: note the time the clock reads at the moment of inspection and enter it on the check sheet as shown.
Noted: 11:19:12
